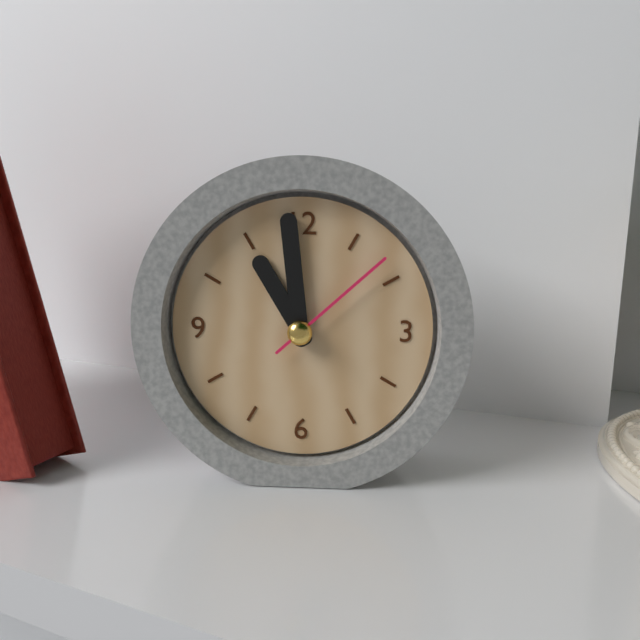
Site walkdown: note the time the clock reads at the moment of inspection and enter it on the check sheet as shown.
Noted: 10:59:08
